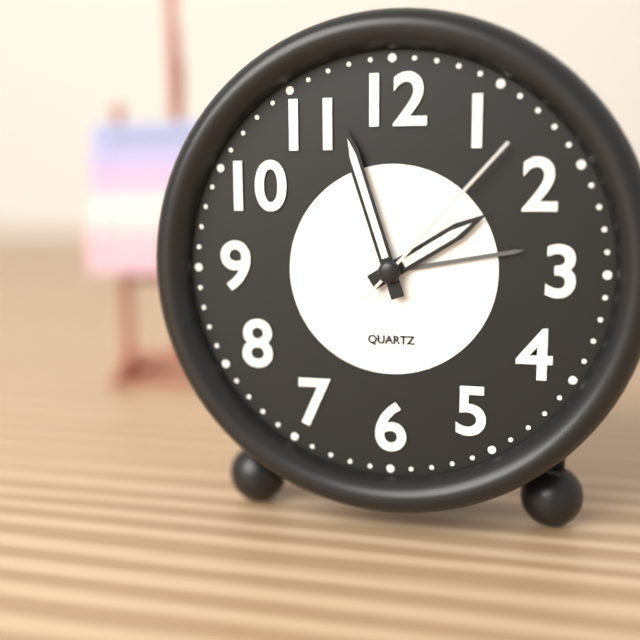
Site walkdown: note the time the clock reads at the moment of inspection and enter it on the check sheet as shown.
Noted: 1:57:07
